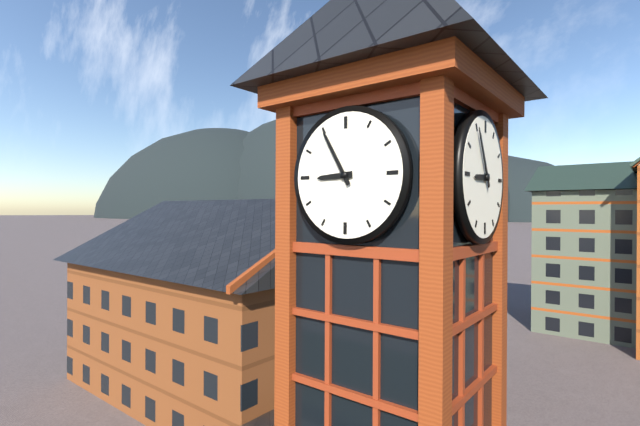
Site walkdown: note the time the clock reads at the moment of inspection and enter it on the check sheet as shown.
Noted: 8:55
